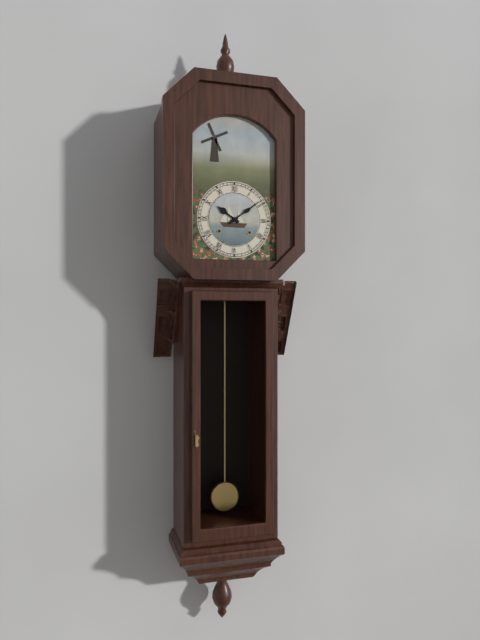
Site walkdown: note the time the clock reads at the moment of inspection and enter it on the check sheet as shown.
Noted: 10:09
